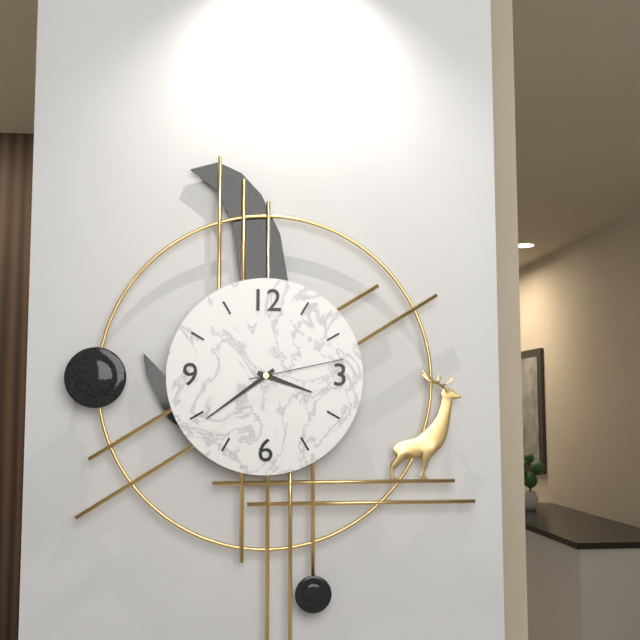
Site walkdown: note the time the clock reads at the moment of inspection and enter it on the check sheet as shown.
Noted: 3:39:13
